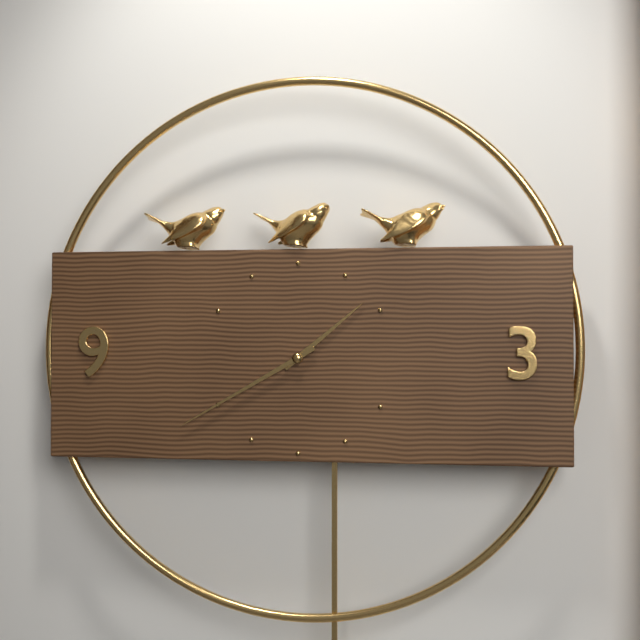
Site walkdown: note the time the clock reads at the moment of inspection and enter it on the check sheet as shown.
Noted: 1:40
